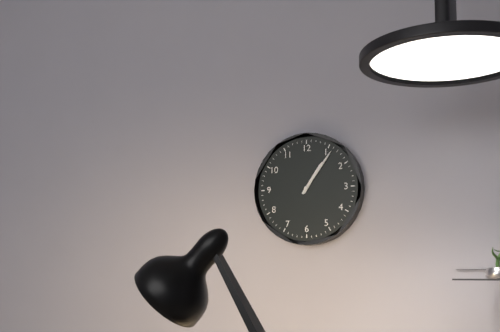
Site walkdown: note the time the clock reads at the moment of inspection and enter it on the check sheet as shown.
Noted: 1:06
